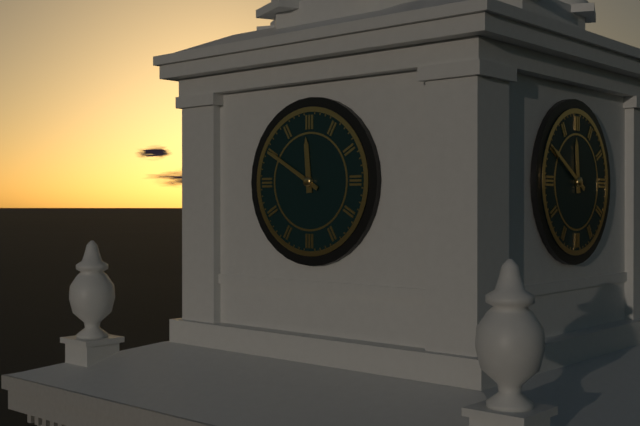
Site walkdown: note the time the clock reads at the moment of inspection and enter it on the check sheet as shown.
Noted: 11:50
